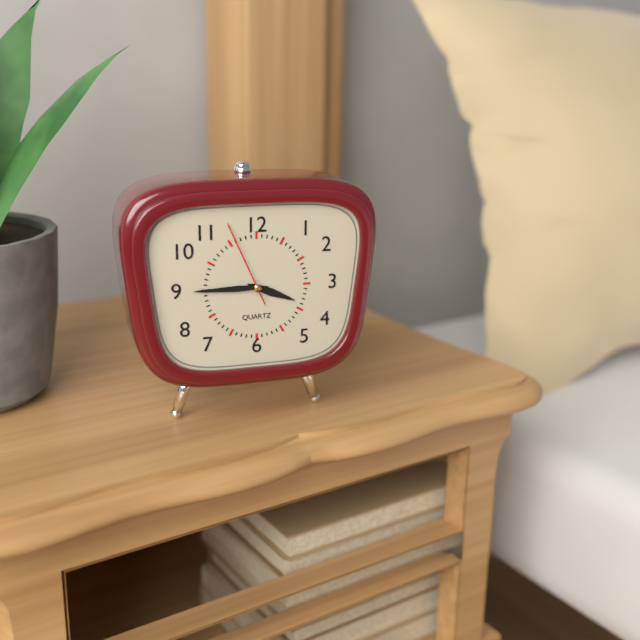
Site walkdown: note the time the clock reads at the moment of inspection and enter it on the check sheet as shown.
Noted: 3:45:56
